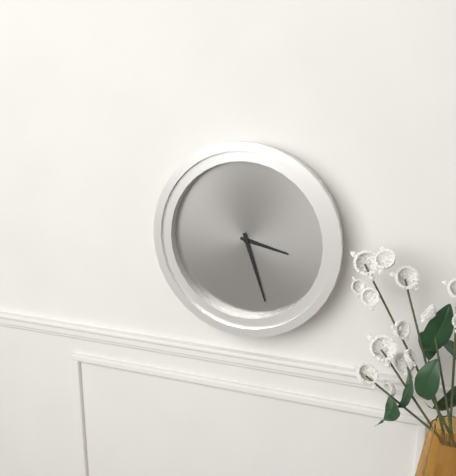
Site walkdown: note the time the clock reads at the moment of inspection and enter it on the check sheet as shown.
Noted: 3:27
